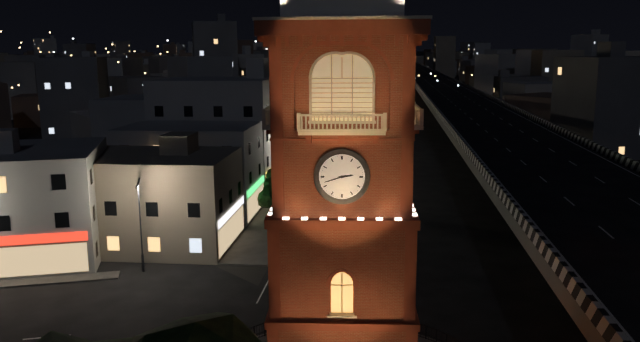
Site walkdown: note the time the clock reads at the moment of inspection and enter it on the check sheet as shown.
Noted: 2:42
